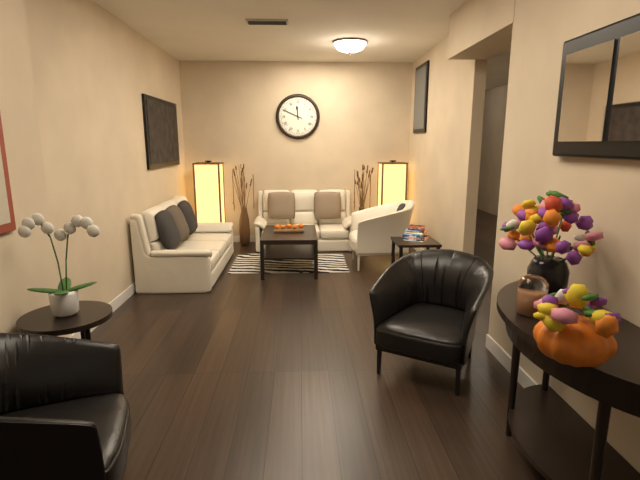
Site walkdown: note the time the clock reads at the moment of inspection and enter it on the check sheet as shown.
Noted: 11:49
